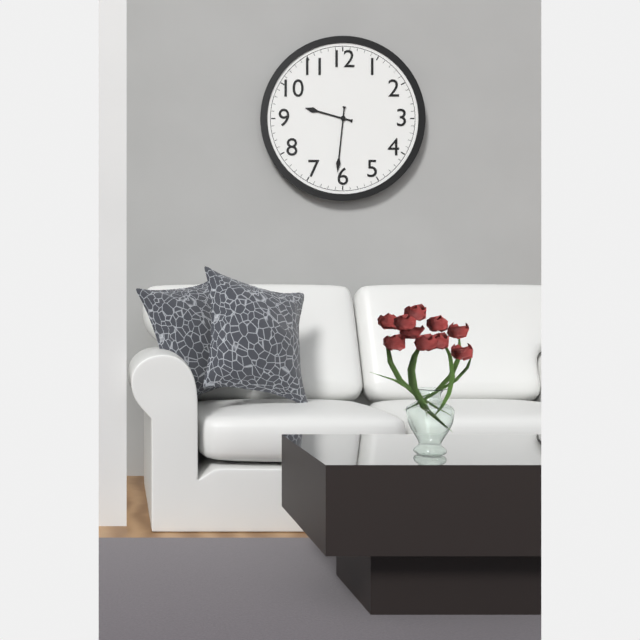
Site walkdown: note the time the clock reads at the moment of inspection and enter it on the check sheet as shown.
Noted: 9:31
